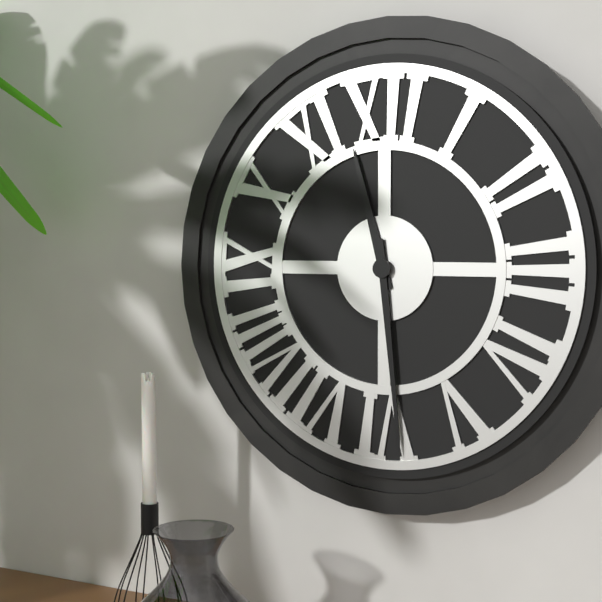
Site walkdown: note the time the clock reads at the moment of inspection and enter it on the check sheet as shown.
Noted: 11:29
